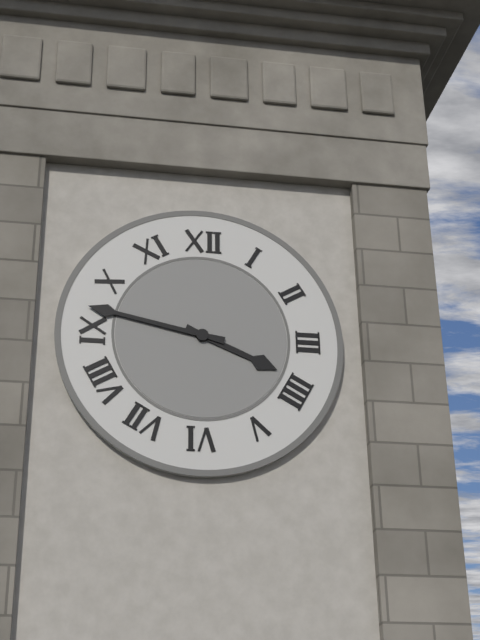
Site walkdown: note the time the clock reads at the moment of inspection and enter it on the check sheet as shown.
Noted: 3:47
